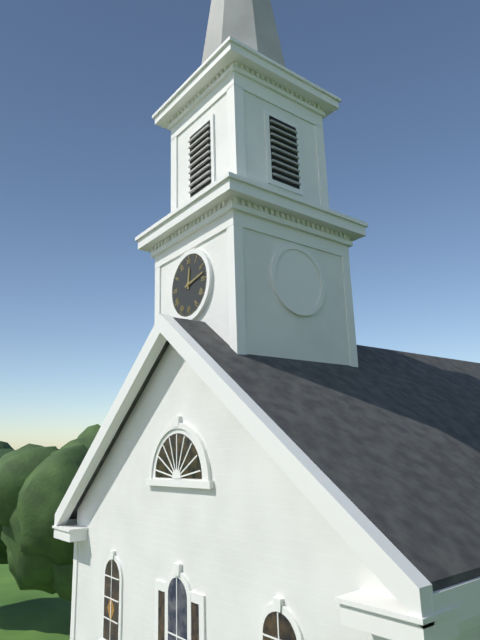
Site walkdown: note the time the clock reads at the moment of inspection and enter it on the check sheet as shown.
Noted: 12:13
